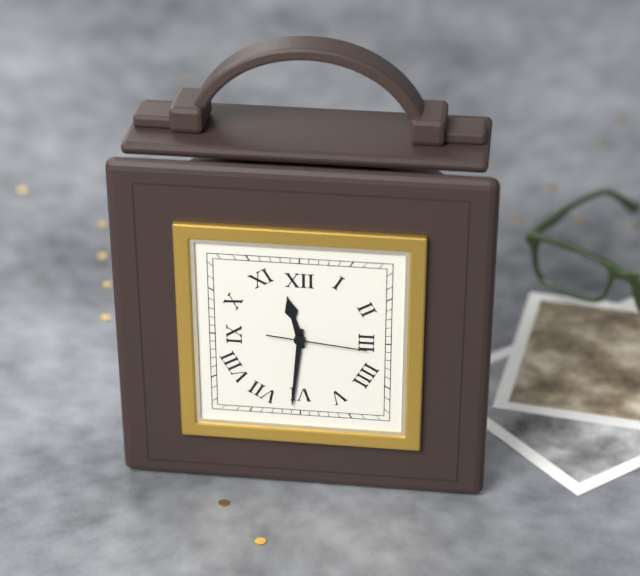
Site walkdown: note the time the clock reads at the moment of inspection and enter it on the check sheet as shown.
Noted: 11:31:16
